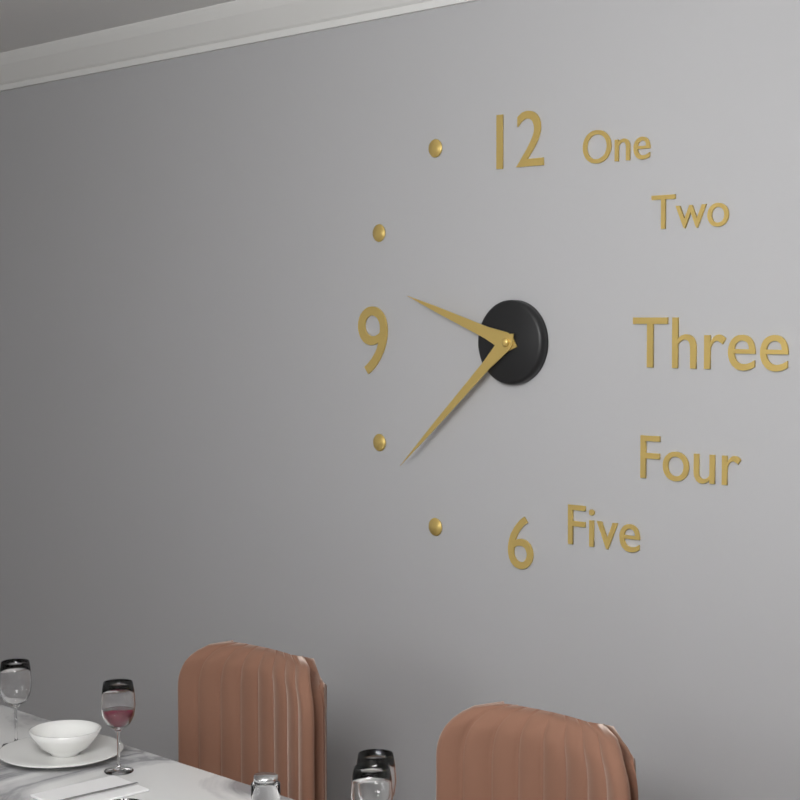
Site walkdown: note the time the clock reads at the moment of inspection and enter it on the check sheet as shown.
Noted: 9:38
